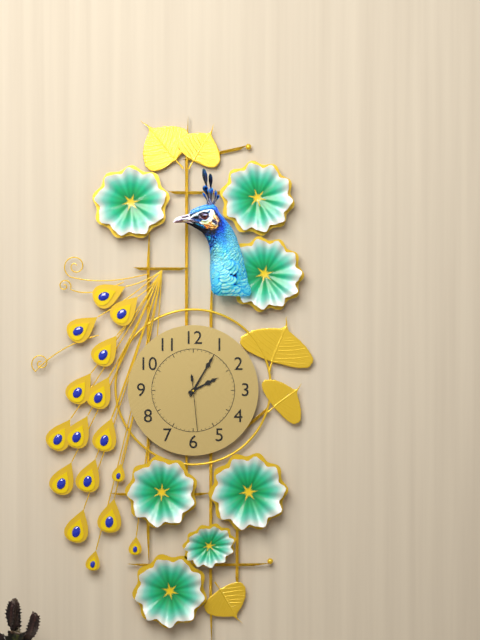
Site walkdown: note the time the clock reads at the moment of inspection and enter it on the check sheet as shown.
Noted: 2:05:29
